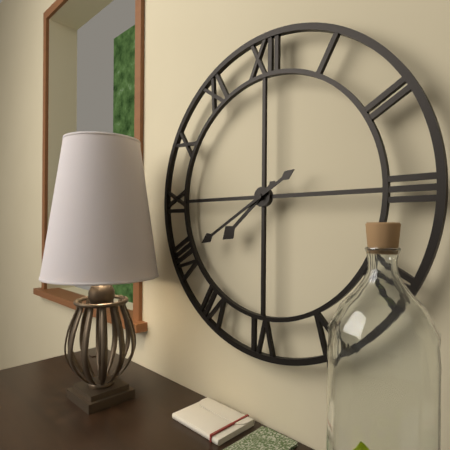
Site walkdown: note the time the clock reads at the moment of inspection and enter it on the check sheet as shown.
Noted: 7:40
